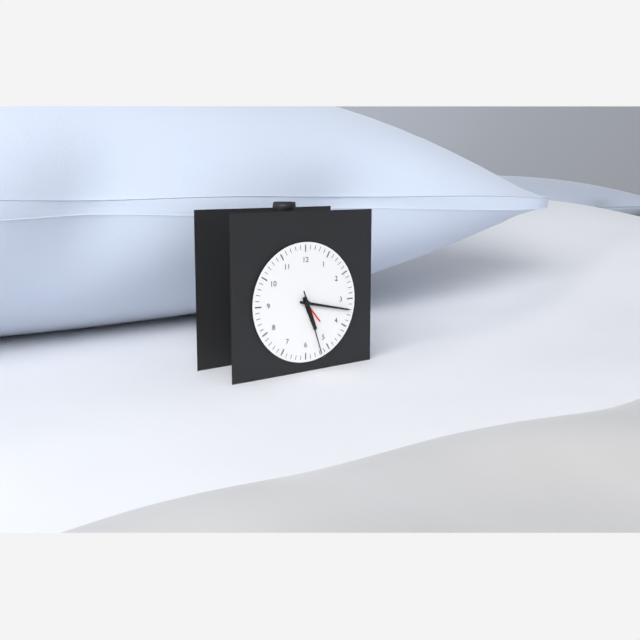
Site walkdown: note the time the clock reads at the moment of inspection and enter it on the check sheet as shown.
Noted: 5:17:27
